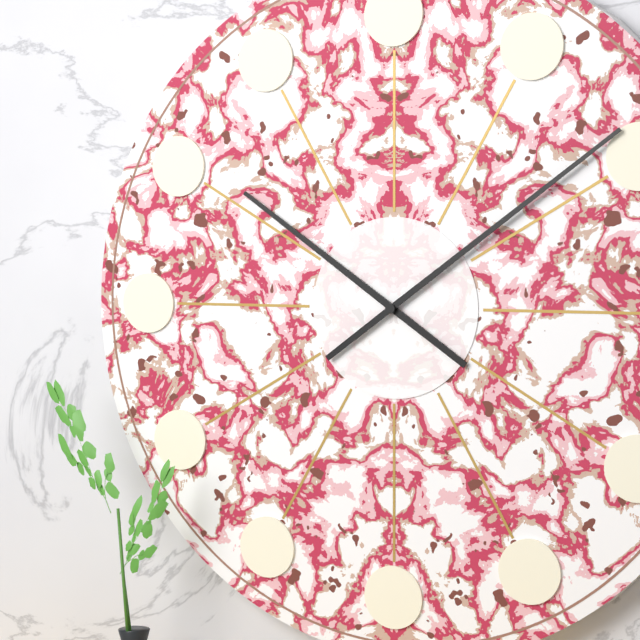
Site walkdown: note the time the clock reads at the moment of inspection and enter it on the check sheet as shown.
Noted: 10:09
